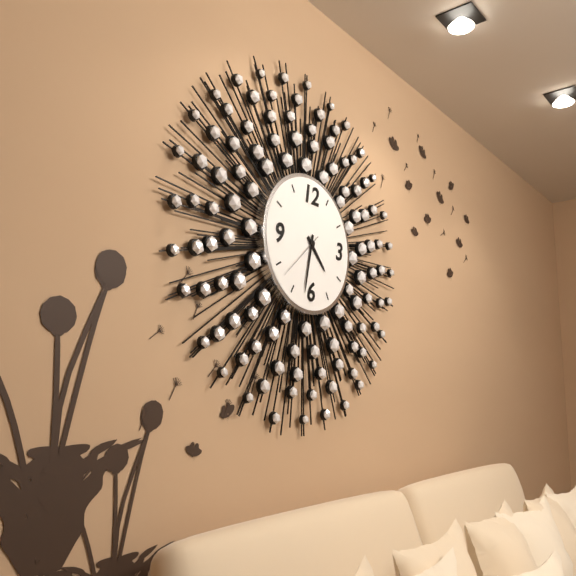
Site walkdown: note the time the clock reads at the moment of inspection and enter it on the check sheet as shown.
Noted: 4:32:38
